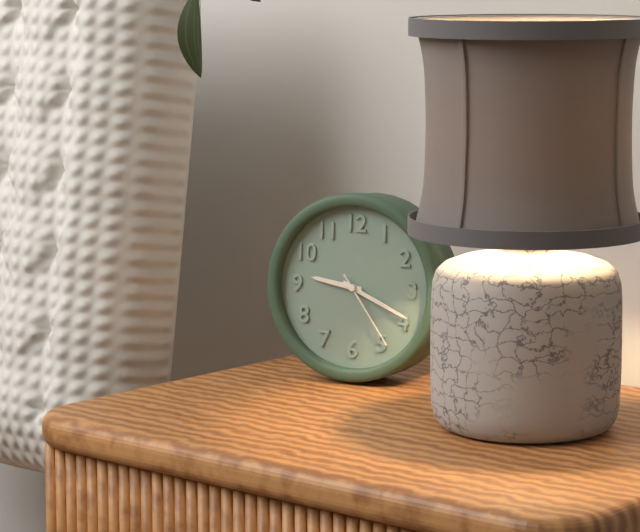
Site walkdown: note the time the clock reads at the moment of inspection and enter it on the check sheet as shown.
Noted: 9:19:24
